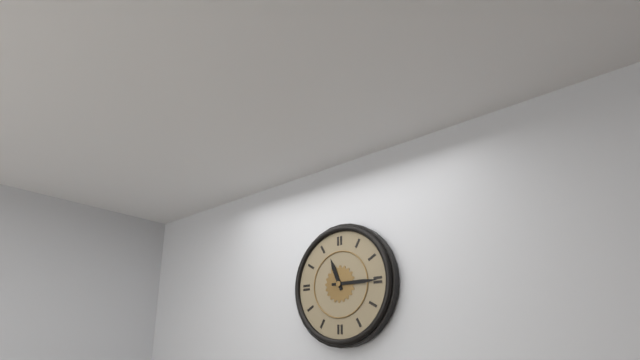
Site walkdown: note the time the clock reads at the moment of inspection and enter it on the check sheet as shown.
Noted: 11:15
